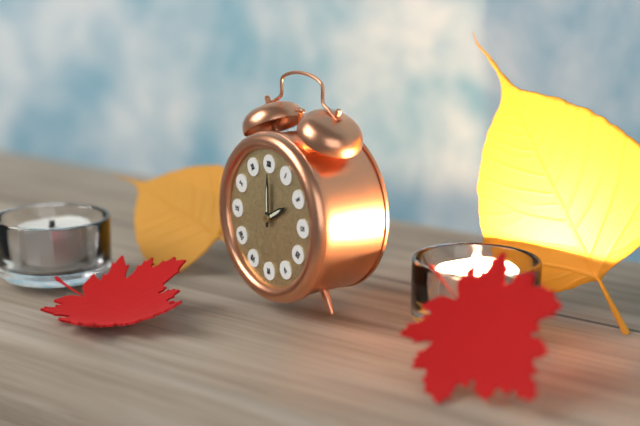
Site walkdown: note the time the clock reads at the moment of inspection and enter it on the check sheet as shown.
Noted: 2:00
